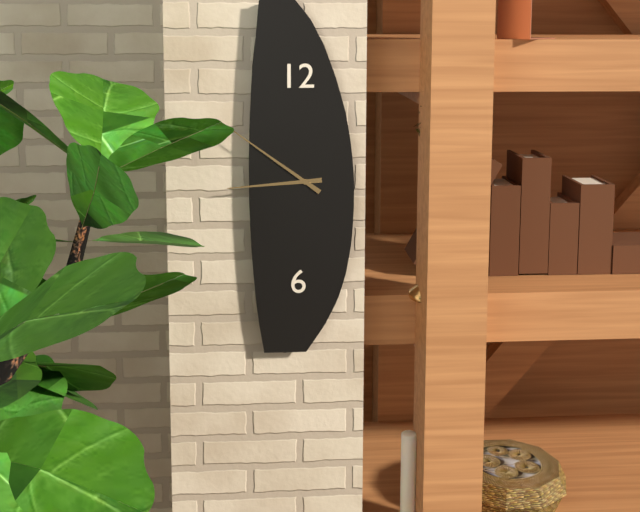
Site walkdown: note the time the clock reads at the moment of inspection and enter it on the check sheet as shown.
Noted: 8:51
